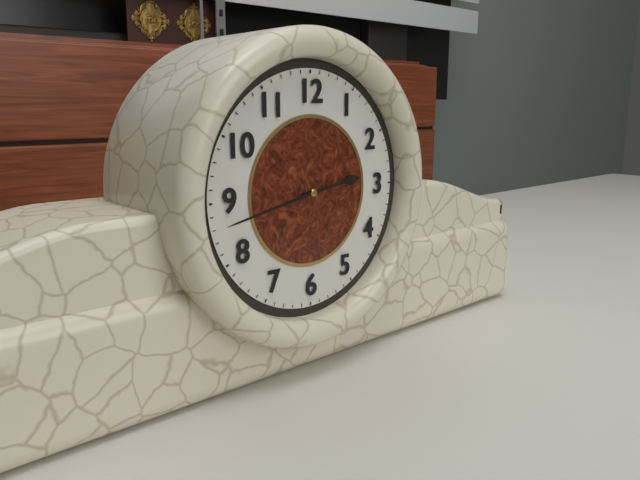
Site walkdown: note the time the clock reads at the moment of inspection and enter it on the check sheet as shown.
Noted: 2:43
